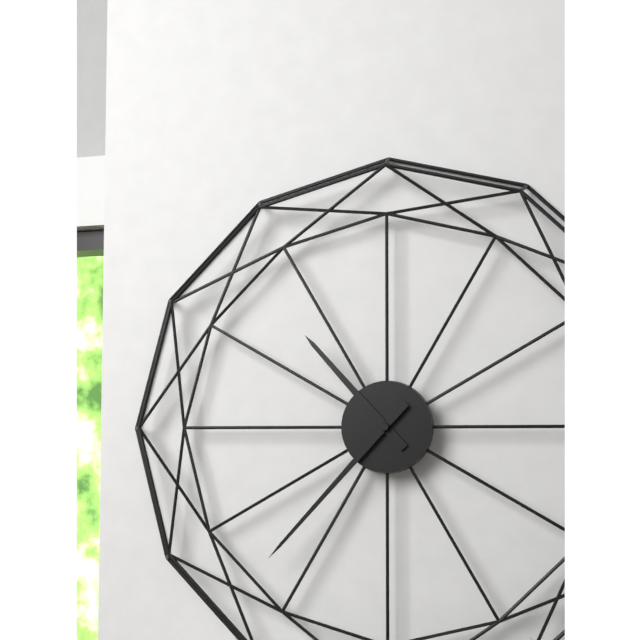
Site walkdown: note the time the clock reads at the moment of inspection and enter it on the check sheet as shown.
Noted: 10:37
